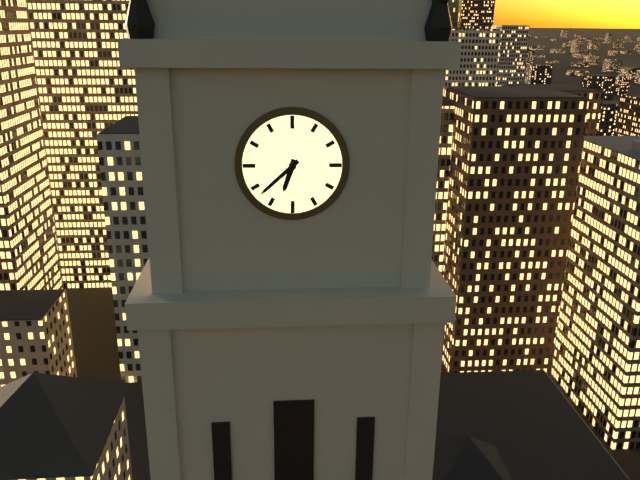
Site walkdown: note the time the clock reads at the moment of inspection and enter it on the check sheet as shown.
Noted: 6:38
